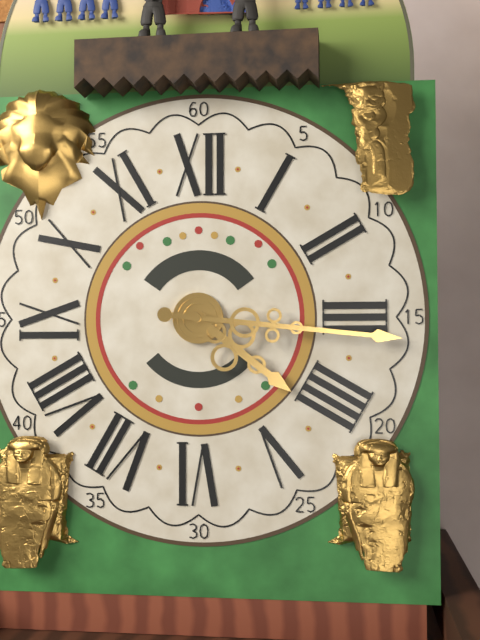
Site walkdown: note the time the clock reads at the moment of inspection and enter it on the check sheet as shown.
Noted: 4:16
